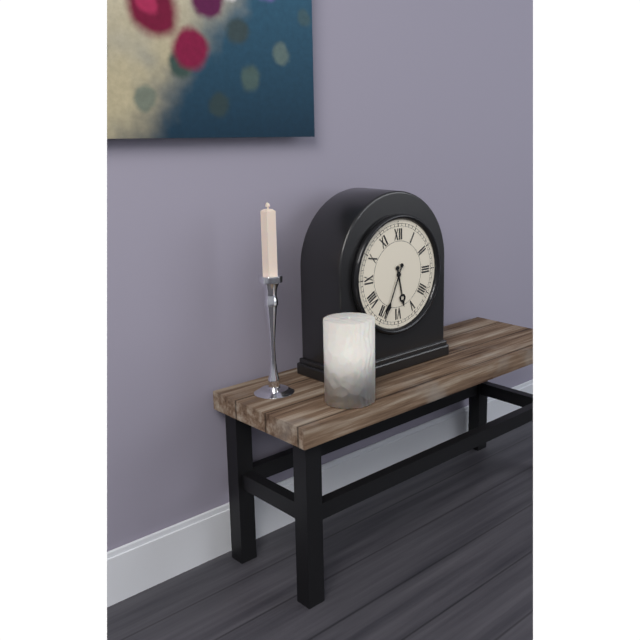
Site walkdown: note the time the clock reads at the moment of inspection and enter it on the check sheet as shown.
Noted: 5:34
